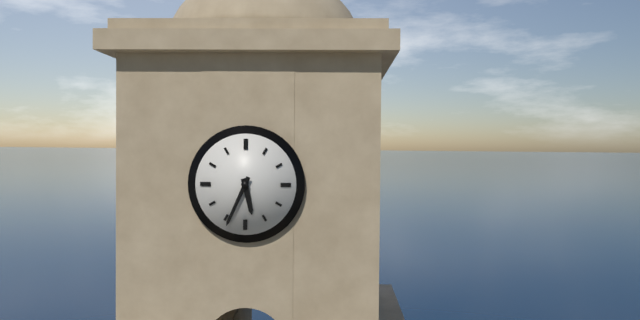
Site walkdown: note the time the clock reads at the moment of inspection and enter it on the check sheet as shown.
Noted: 5:34
